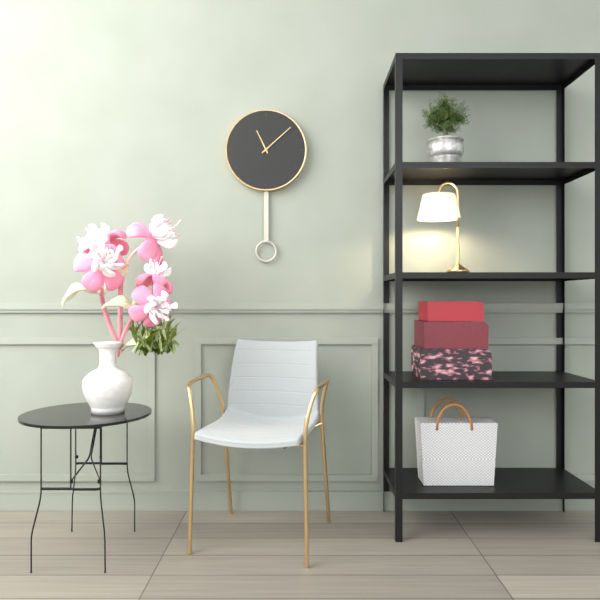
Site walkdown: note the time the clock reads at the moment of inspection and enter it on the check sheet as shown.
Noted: 11:08
